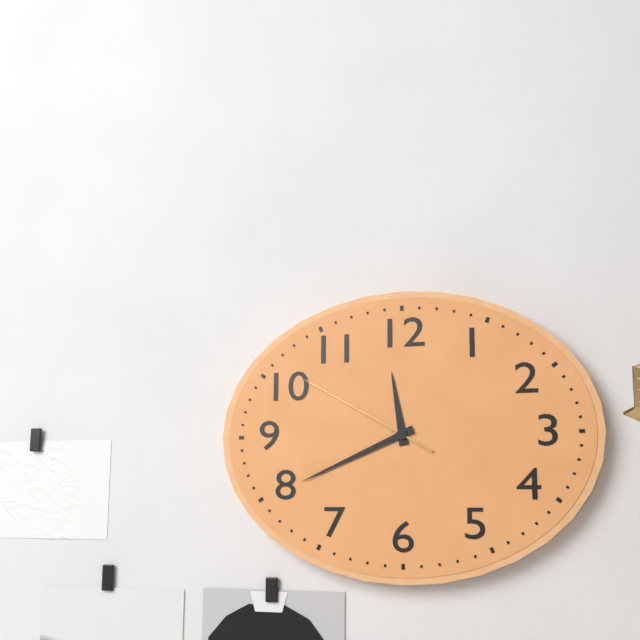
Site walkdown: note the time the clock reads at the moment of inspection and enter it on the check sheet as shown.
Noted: 11:41:50
